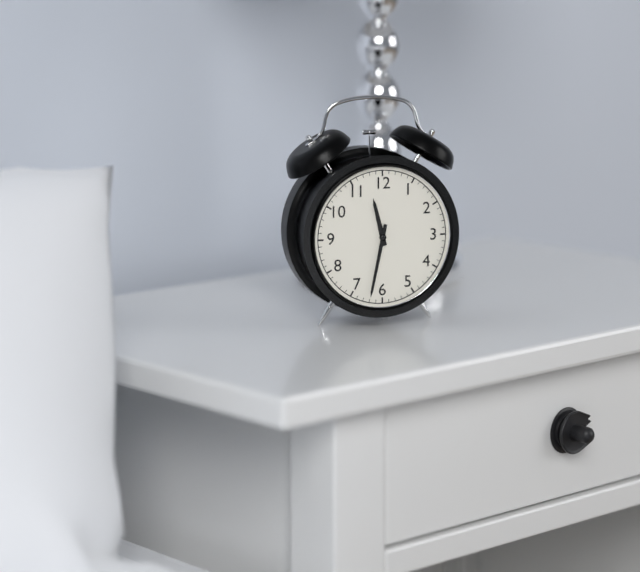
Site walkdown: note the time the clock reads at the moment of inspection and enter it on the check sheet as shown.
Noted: 11:32
